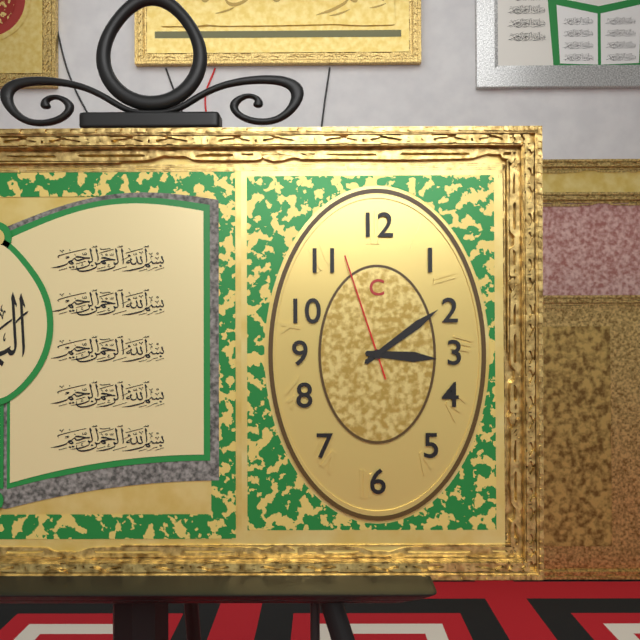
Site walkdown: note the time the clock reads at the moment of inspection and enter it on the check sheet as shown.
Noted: 3:09:57
